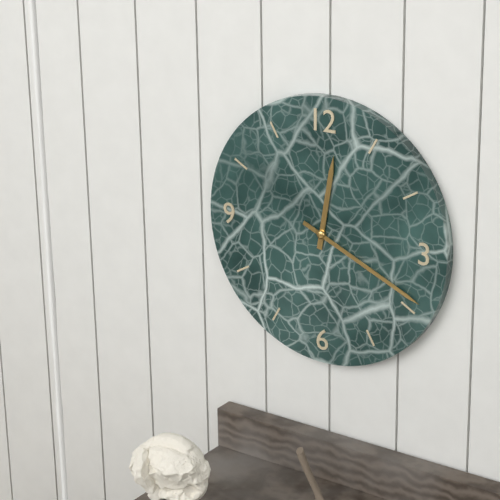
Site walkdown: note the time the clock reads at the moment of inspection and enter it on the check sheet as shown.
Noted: 12:19
